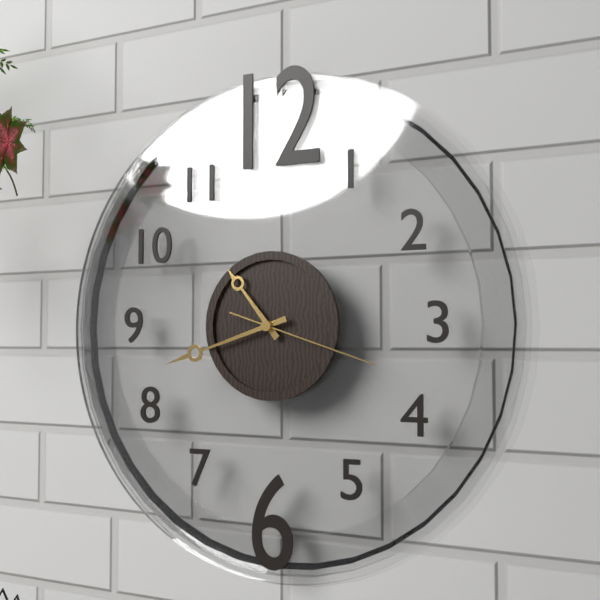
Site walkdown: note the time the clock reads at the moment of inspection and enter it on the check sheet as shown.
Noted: 10:42:18
